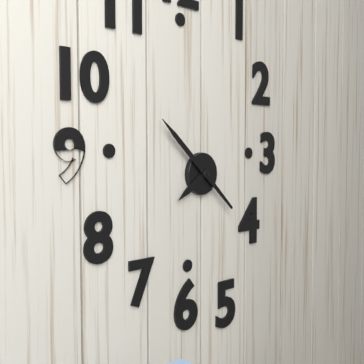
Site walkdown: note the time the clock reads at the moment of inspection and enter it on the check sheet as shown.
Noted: 7:52
